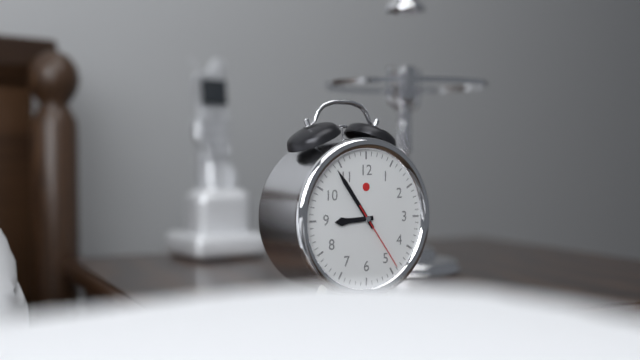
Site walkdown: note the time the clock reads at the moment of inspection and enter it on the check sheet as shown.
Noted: 8:54:24
